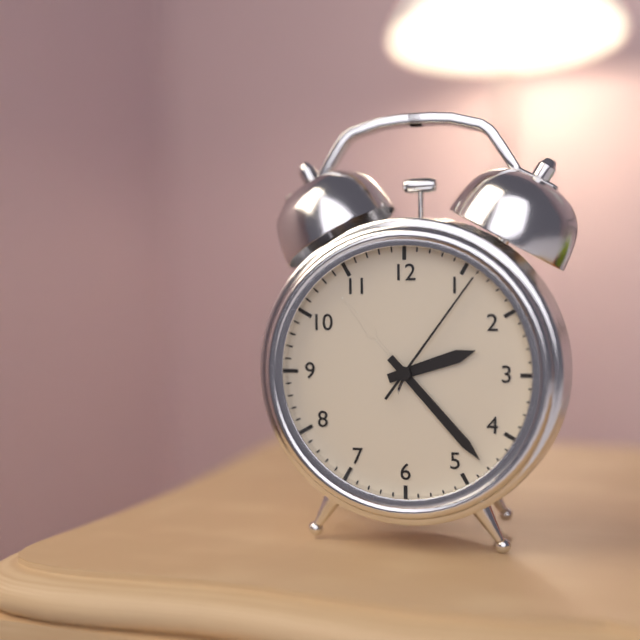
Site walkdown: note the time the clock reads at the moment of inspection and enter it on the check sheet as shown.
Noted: 2:23:06
